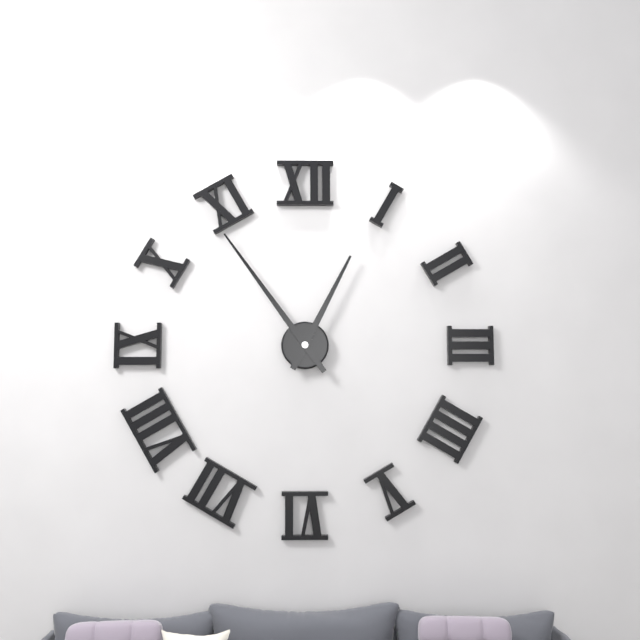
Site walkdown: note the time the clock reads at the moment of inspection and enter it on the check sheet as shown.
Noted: 12:54
